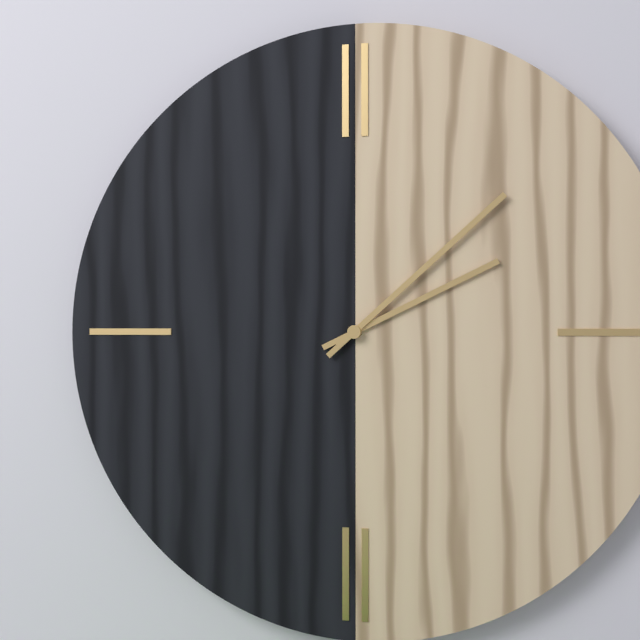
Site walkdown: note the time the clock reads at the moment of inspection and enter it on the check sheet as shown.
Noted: 2:08
